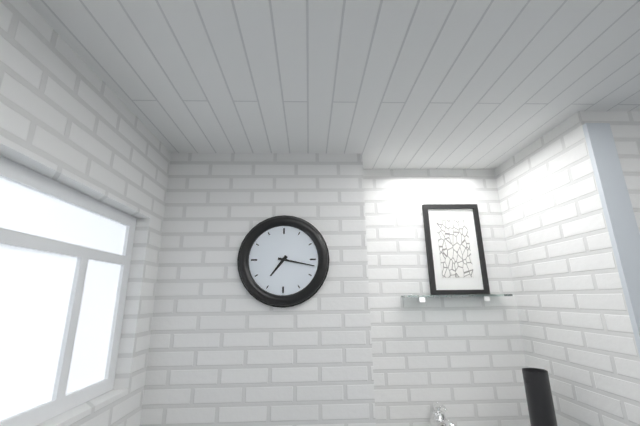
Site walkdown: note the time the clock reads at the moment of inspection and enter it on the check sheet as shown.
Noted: 7:17
